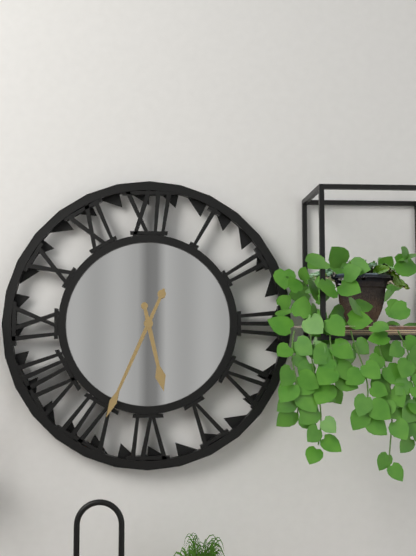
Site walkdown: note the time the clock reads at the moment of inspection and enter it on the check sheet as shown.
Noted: 5:34
